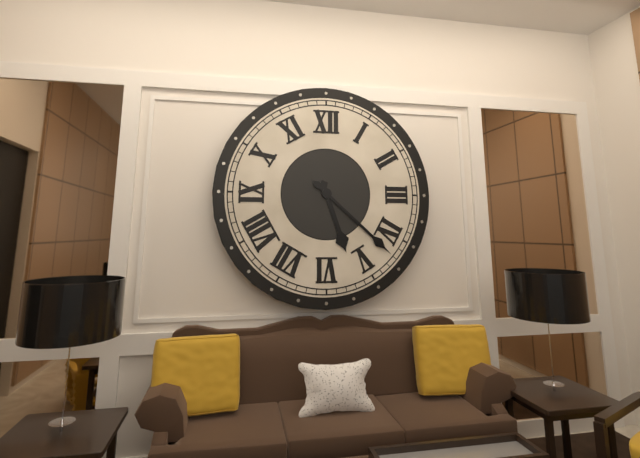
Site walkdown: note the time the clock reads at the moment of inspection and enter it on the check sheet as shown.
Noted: 5:22
